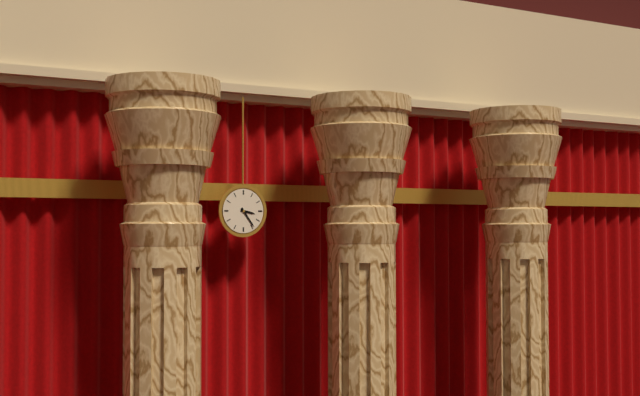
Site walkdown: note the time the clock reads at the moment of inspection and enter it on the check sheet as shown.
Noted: 3:24
